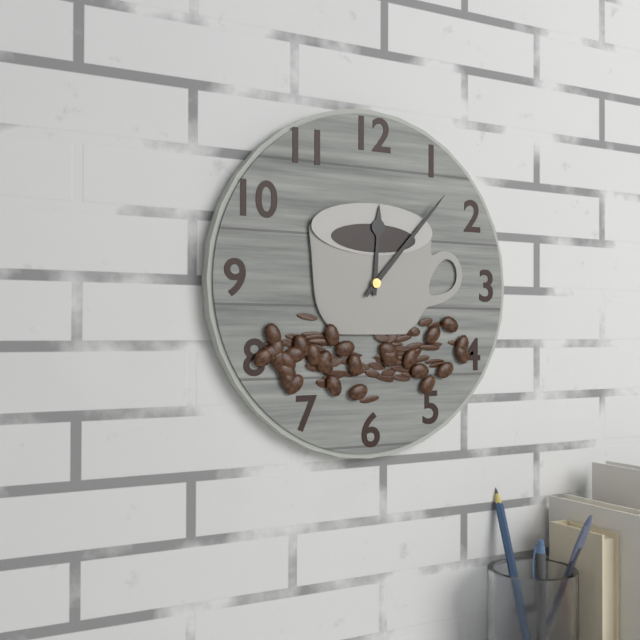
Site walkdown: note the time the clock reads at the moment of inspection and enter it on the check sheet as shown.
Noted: 12:07
